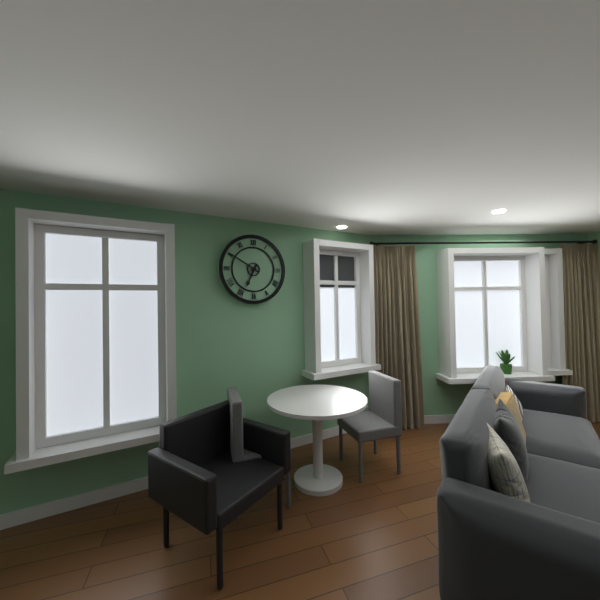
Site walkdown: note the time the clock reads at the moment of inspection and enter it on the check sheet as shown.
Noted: 6:50
